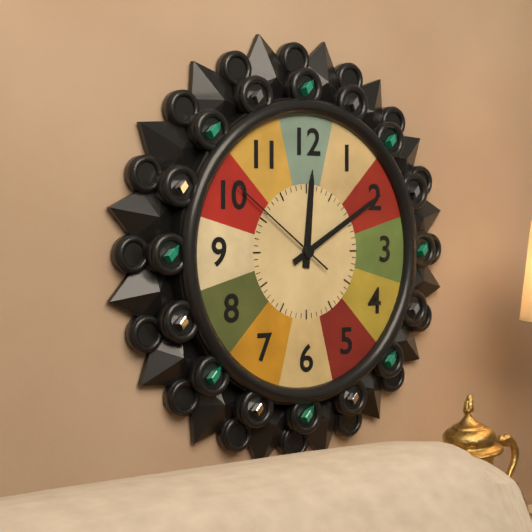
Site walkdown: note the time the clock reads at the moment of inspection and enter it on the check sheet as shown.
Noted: 12:10:51
